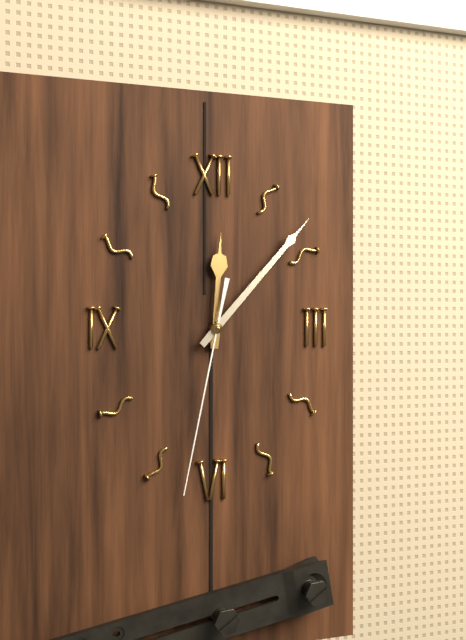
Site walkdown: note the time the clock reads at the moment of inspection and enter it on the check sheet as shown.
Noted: 12:07:32
